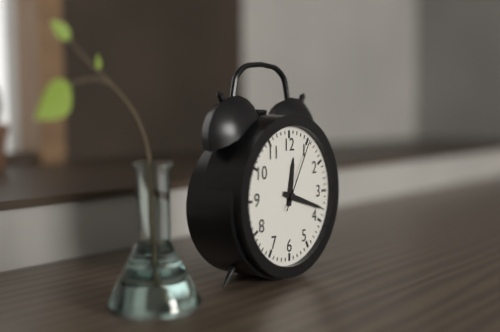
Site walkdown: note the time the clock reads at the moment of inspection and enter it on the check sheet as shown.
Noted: 12:18:05
